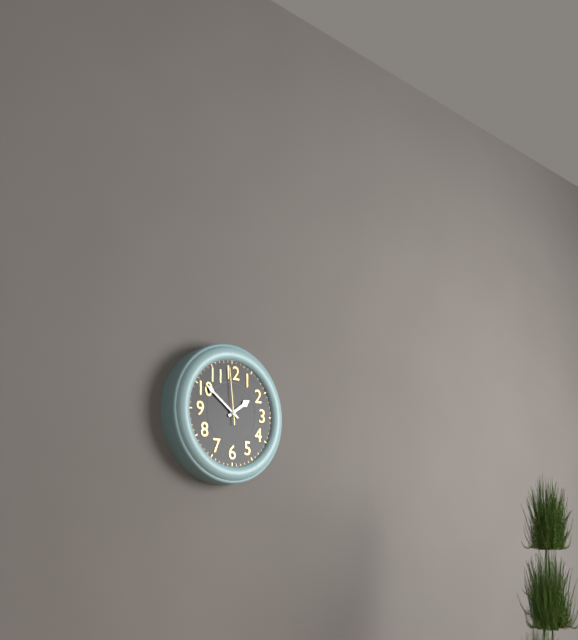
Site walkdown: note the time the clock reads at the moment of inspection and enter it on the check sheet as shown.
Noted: 1:51:59
